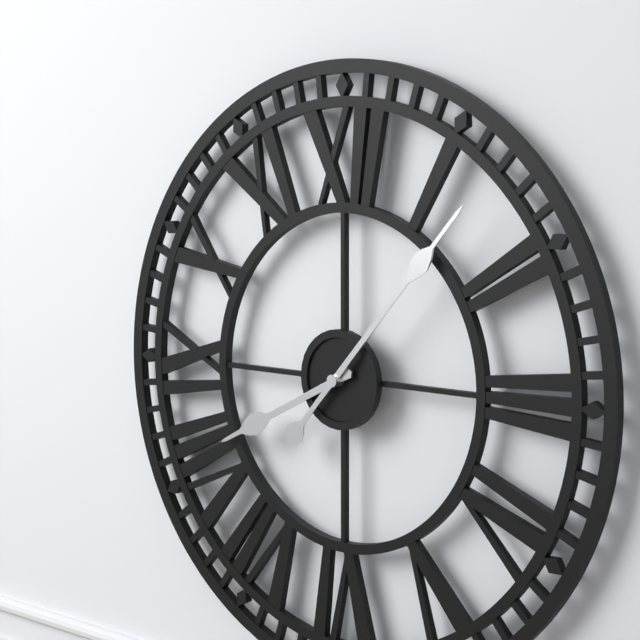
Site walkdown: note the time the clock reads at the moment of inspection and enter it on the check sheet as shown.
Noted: 8:07
